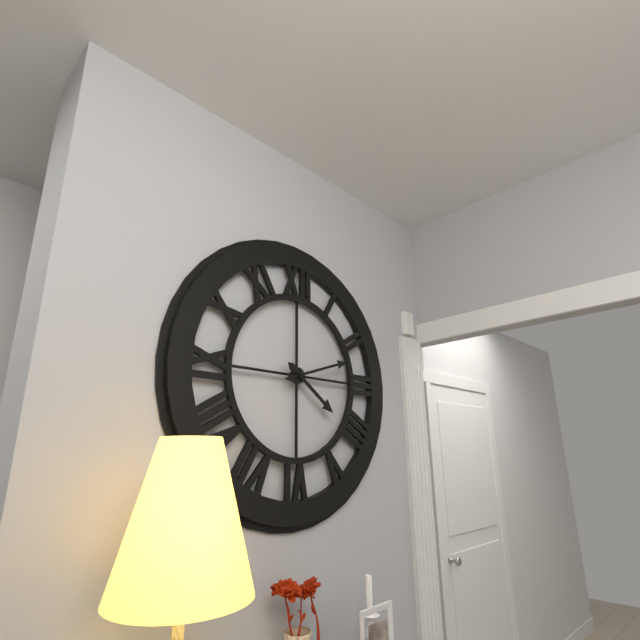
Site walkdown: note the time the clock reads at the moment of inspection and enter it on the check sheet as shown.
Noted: 4:12
